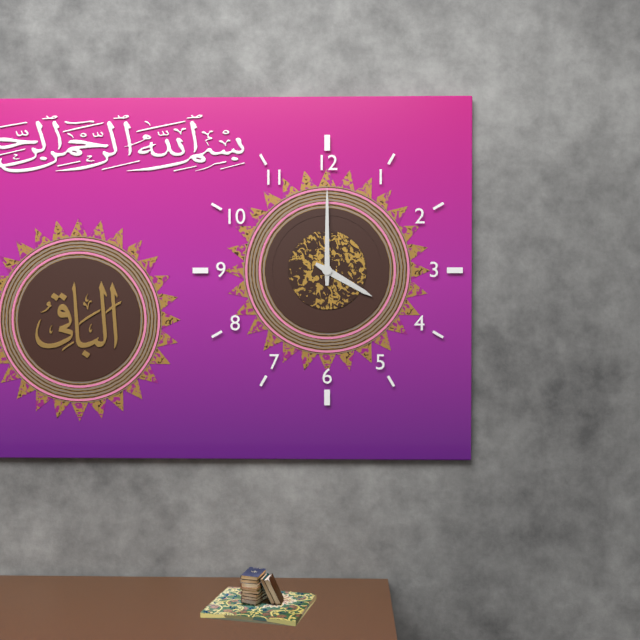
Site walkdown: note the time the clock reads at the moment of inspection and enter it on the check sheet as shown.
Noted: 4:00
